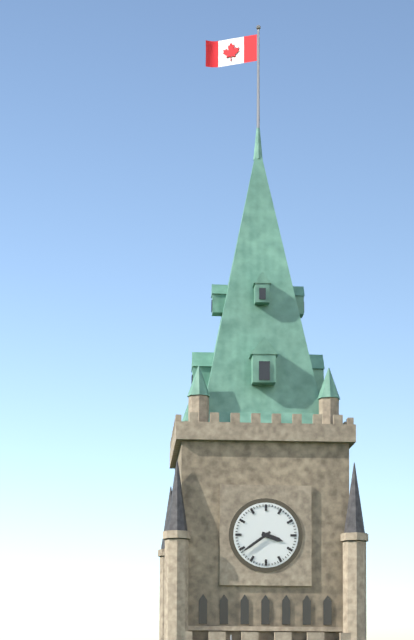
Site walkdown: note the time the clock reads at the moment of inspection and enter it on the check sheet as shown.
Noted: 3:39
